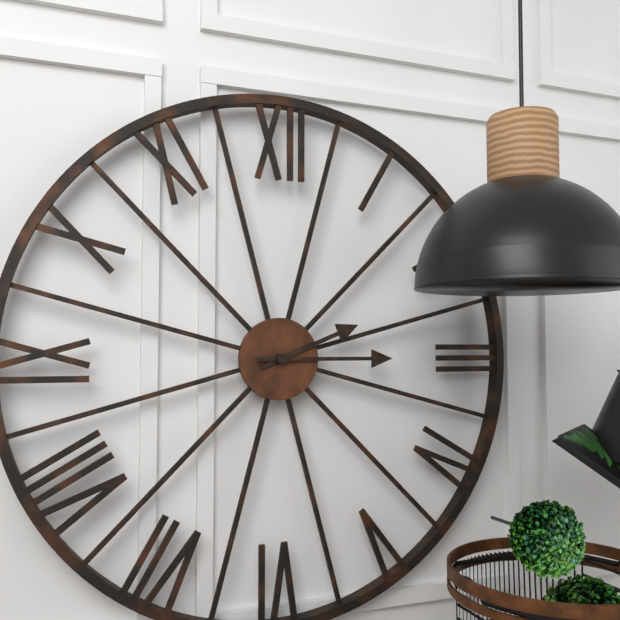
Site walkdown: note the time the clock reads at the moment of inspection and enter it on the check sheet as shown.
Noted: 2:15
